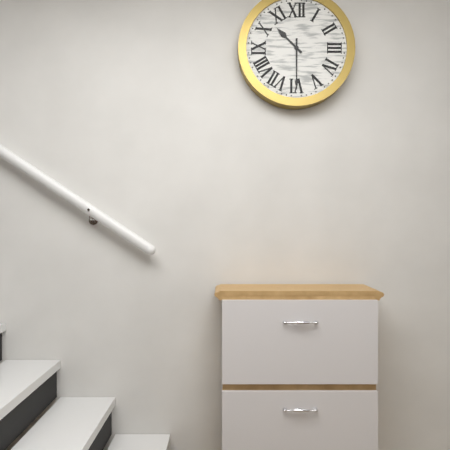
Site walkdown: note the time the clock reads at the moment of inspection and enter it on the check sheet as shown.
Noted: 10:30
